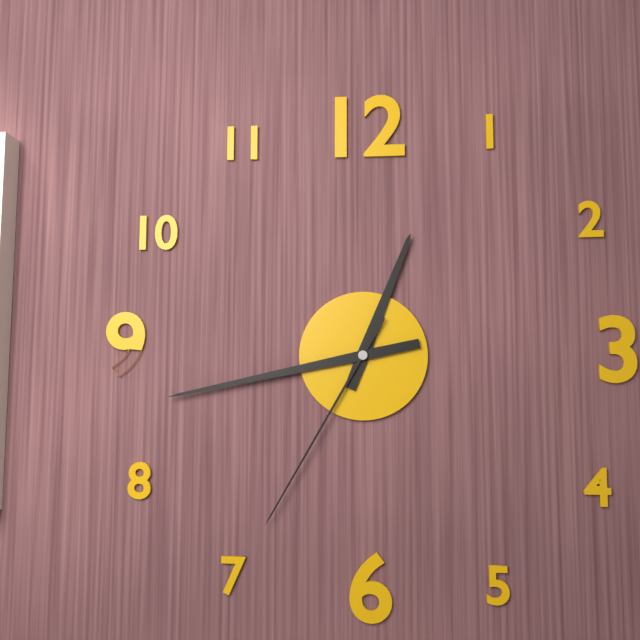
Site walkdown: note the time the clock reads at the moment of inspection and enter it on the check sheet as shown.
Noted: 12:43:35
